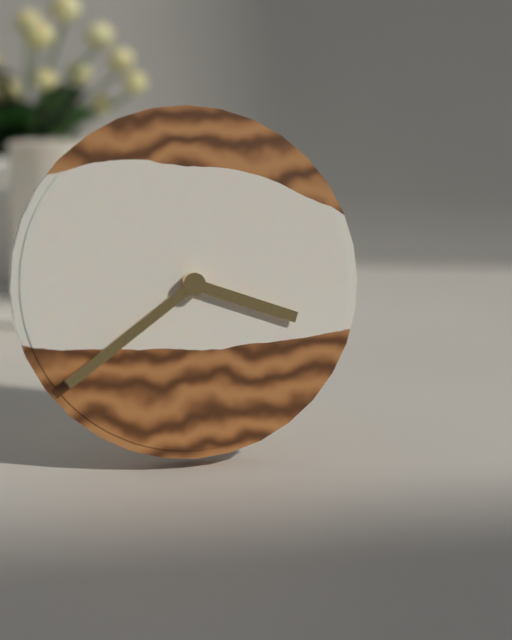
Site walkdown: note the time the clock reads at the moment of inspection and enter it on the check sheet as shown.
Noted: 3:39
